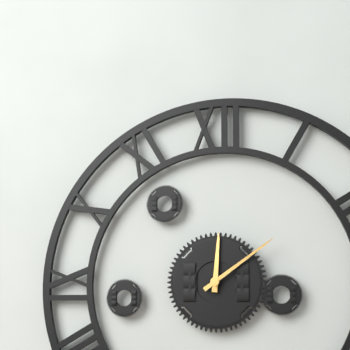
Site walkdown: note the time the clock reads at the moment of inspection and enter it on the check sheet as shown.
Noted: 12:09
